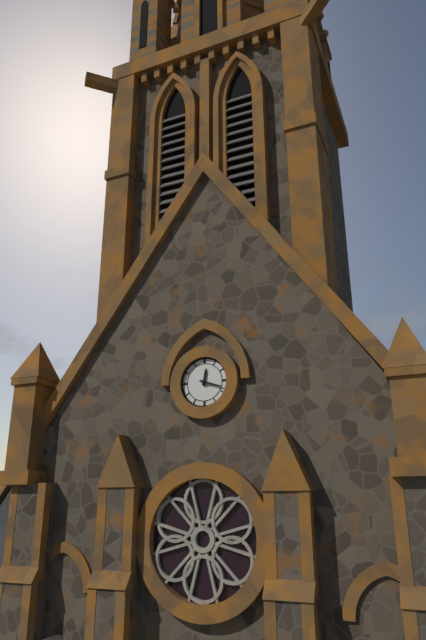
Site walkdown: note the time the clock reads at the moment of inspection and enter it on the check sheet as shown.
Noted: 12:18
